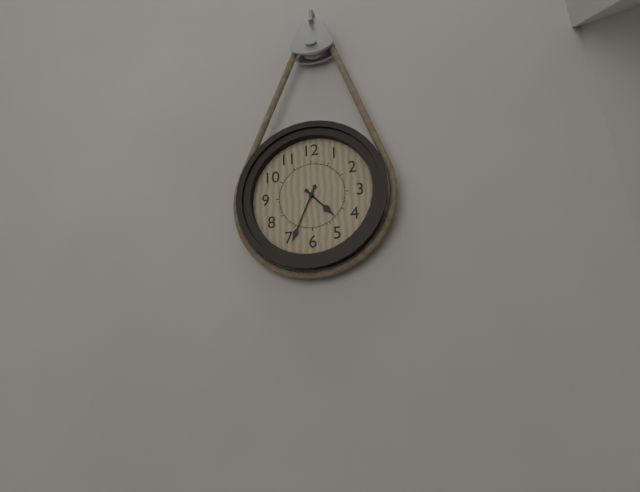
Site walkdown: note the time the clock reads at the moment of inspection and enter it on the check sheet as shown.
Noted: 4:34
